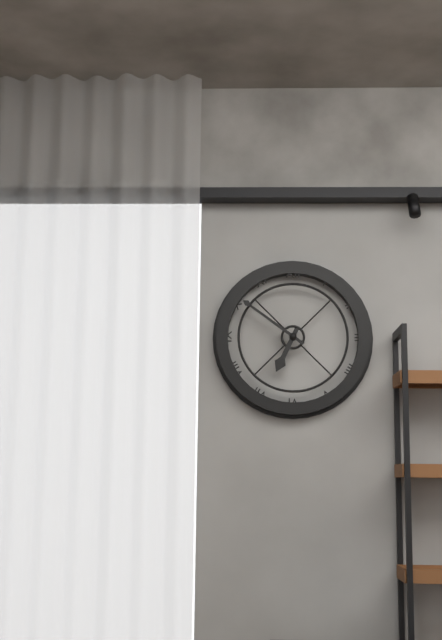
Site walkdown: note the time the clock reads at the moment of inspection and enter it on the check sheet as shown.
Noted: 6:51
